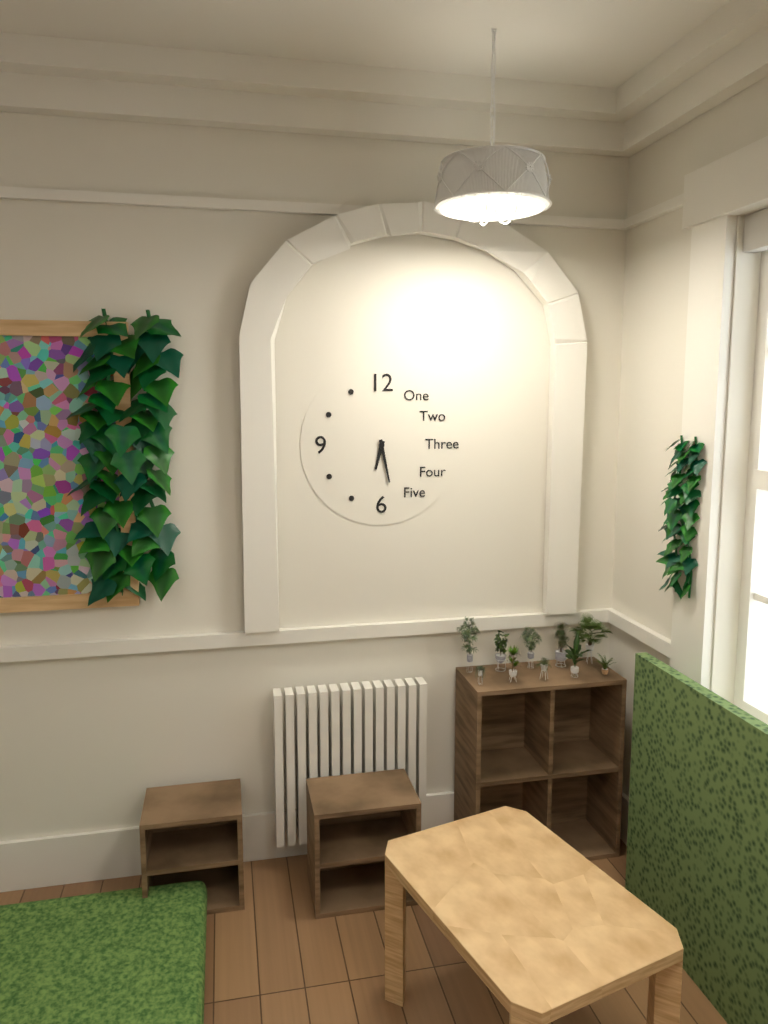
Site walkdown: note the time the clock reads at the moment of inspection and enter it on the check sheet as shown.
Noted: 6:28
